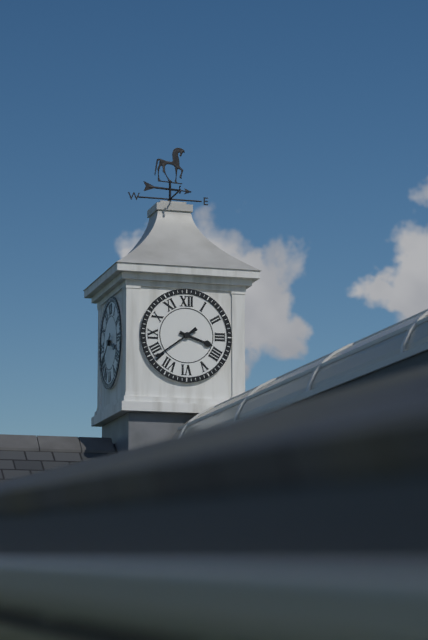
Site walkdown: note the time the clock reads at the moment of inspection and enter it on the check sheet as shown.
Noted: 3:39
